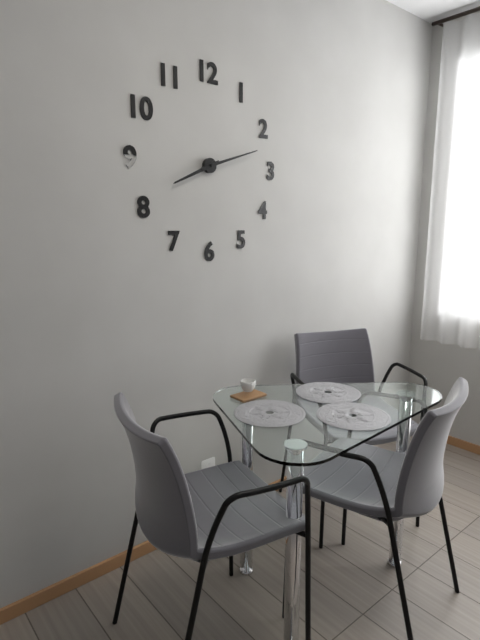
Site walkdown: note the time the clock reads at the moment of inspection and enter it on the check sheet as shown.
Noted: 8:12
